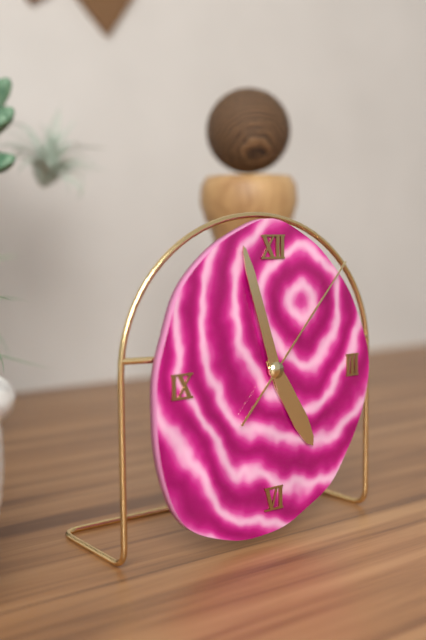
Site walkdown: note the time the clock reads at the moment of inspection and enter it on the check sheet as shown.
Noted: 4:57:07
